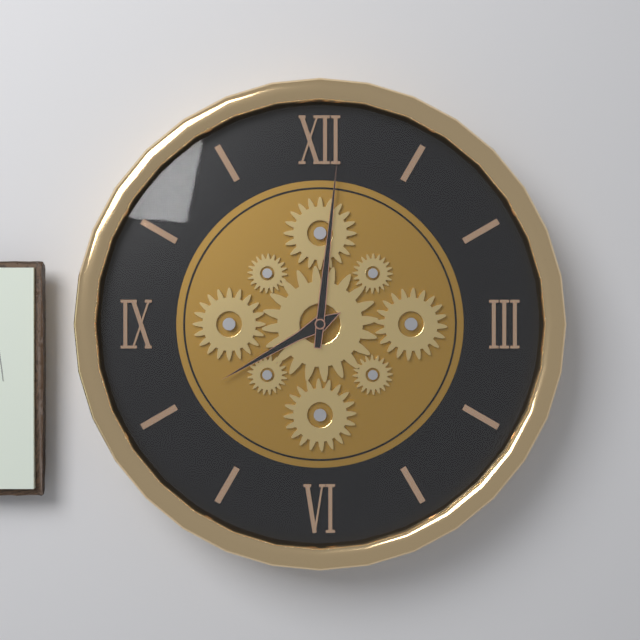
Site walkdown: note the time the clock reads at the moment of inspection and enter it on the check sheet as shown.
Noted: 8:01
